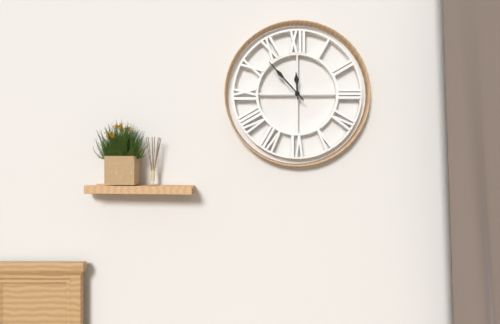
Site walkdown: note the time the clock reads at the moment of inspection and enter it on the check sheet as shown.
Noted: 11:53
